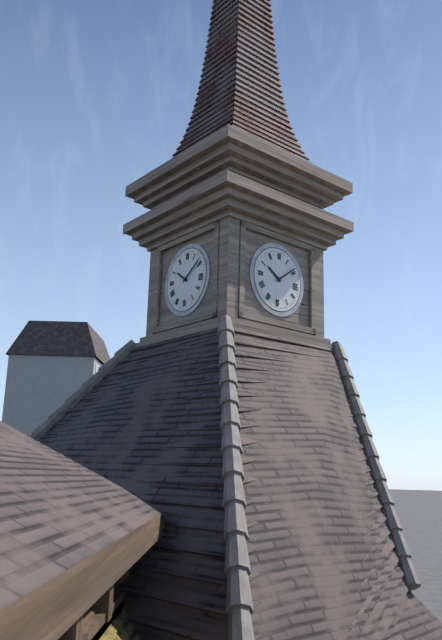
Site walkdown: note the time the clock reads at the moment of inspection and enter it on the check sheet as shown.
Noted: 10:09
